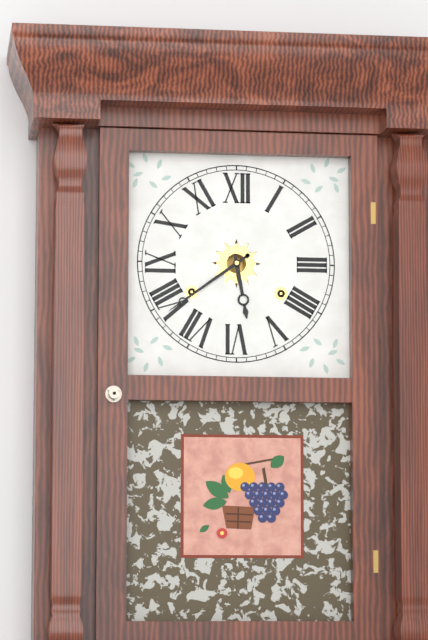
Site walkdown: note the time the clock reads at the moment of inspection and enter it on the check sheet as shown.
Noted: 5:39
